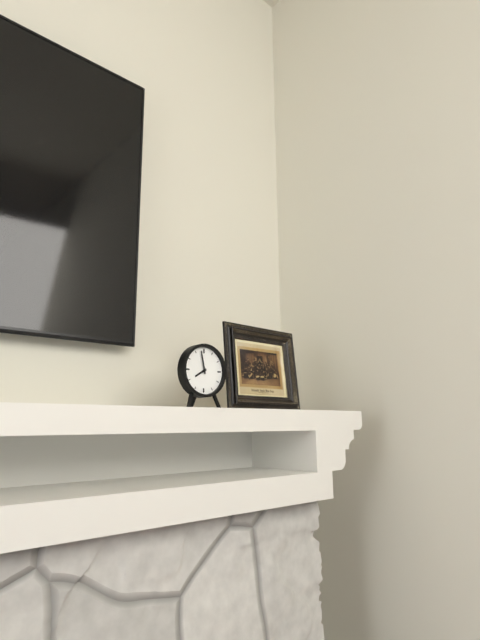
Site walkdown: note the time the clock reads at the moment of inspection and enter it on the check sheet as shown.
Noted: 7:58
